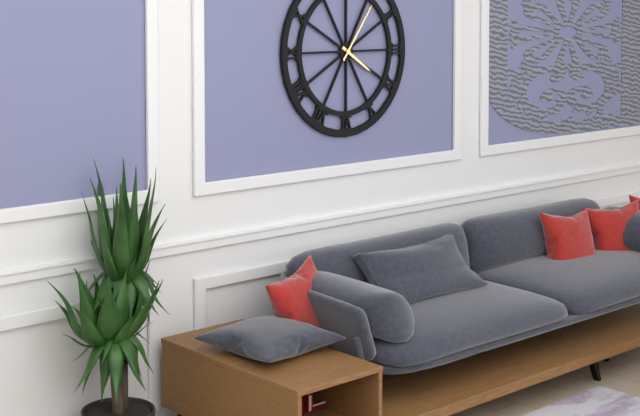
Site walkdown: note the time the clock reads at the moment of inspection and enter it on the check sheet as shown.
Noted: 4:06
